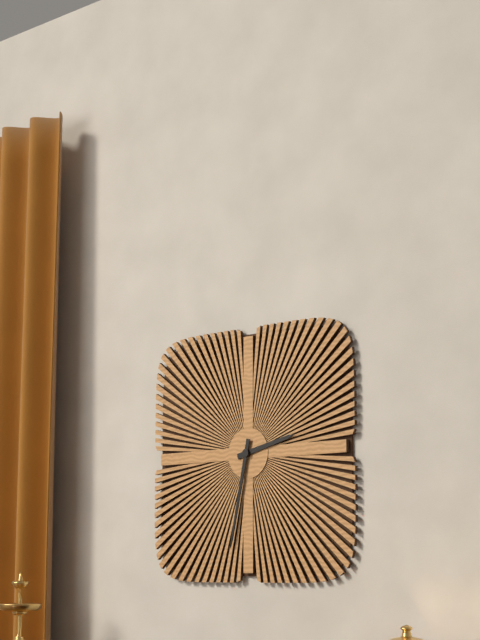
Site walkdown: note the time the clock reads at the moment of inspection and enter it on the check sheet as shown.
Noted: 2:32
